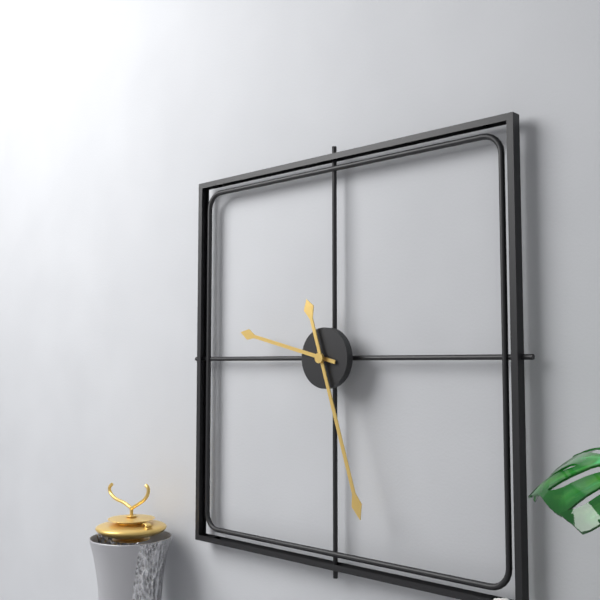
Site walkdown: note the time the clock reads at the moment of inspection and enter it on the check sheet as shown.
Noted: 9:27
